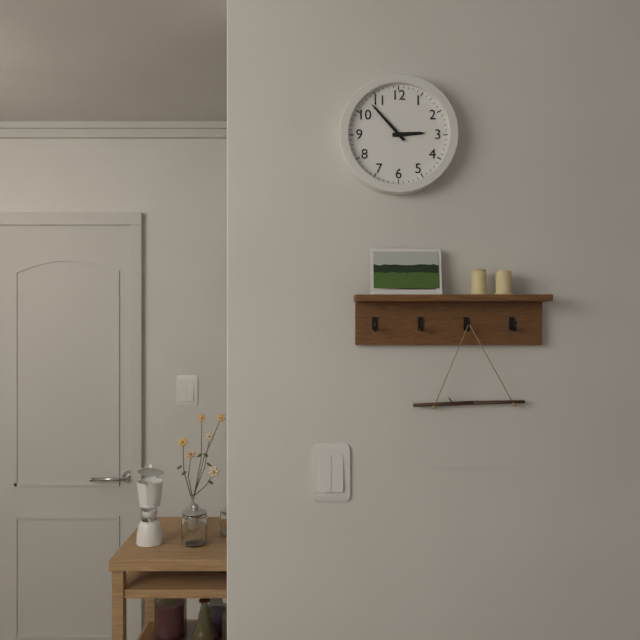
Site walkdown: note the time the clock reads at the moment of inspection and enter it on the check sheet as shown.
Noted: 2:53
